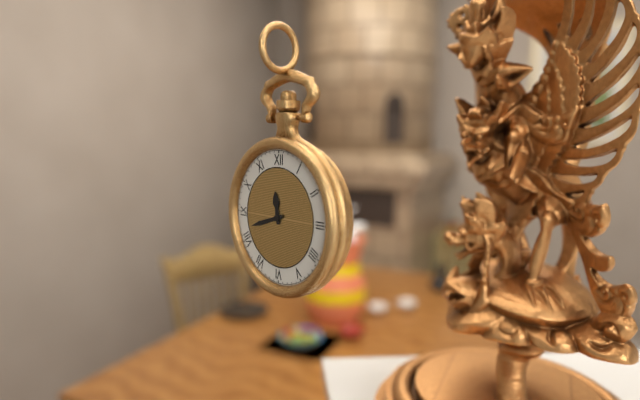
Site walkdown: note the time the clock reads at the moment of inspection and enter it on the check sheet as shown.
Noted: 11:42
